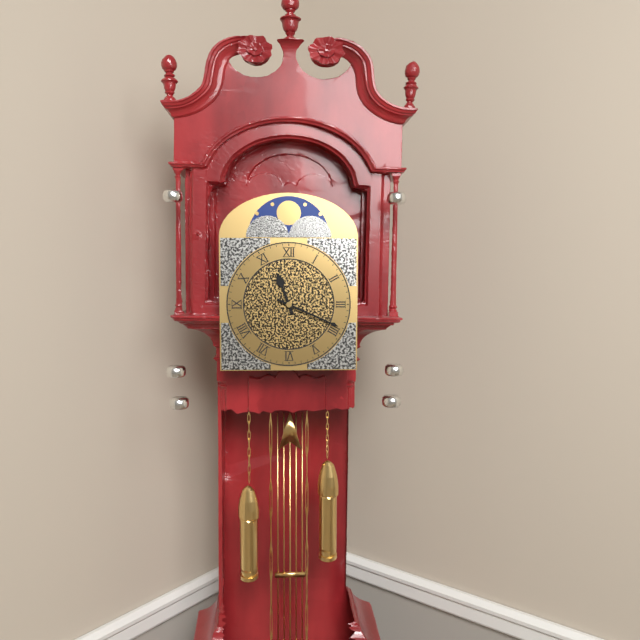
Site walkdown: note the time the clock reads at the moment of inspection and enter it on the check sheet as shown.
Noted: 11:19
